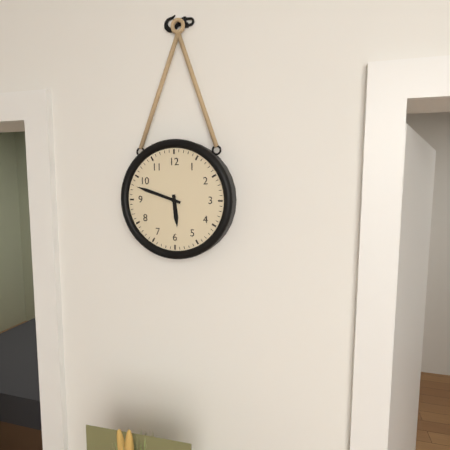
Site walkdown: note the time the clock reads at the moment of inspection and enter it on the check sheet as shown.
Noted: 5:48
